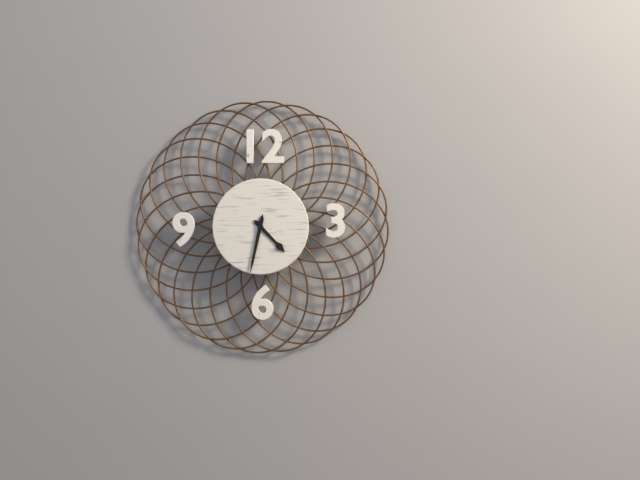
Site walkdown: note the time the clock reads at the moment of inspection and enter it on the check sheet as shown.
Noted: 4:32
